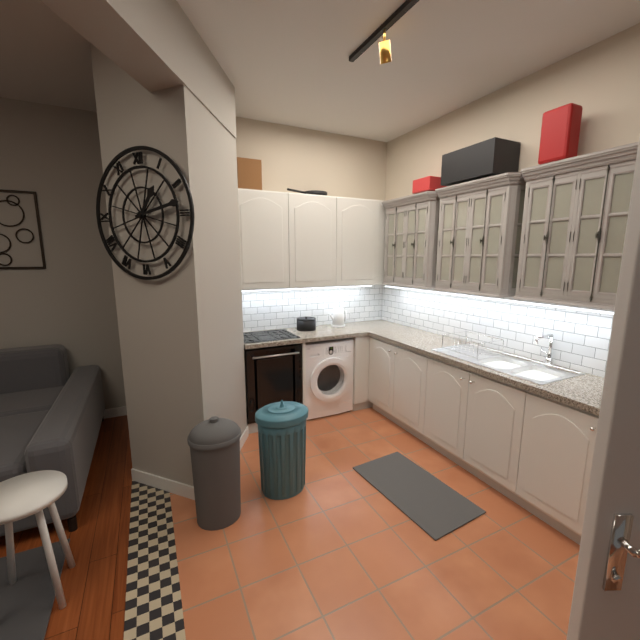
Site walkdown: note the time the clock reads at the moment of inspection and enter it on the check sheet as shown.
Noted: 1:13
